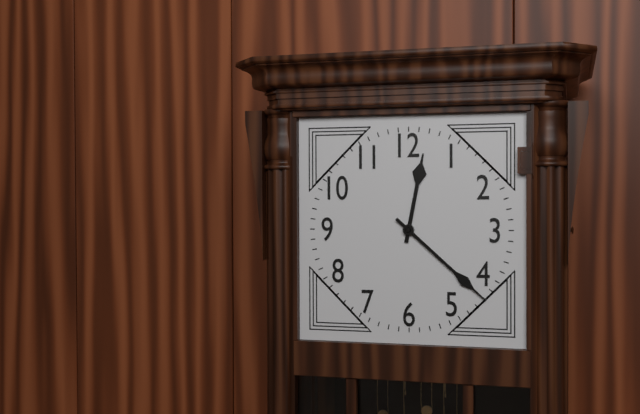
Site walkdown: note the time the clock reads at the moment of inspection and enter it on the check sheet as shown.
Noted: 12:22
